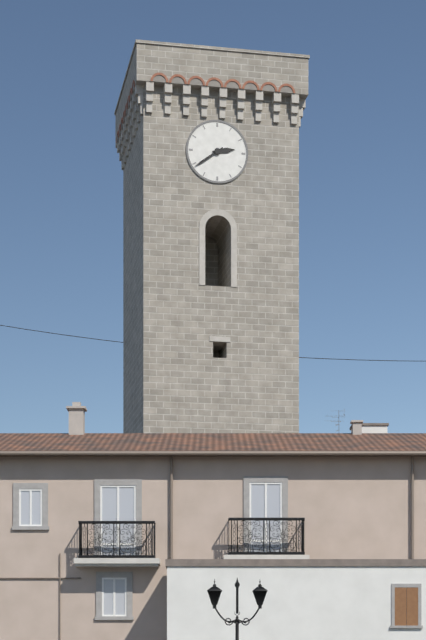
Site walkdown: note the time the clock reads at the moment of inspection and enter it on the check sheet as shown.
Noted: 2:39
